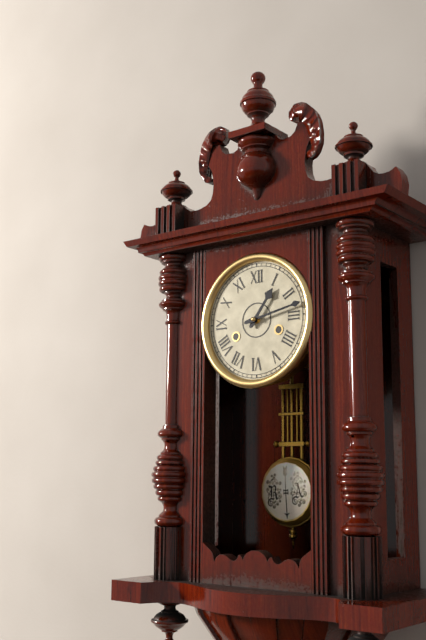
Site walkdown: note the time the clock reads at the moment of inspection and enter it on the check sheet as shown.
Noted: 1:13
